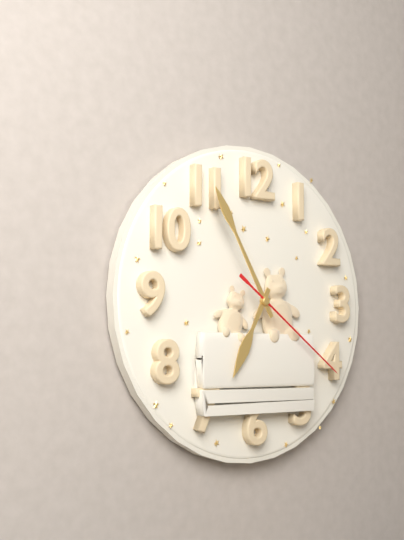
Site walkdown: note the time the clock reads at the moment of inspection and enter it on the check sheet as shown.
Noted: 6:55:21
